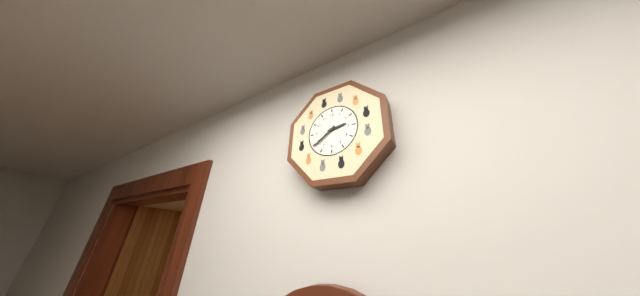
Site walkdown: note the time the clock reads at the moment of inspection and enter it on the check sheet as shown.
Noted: 2:39
